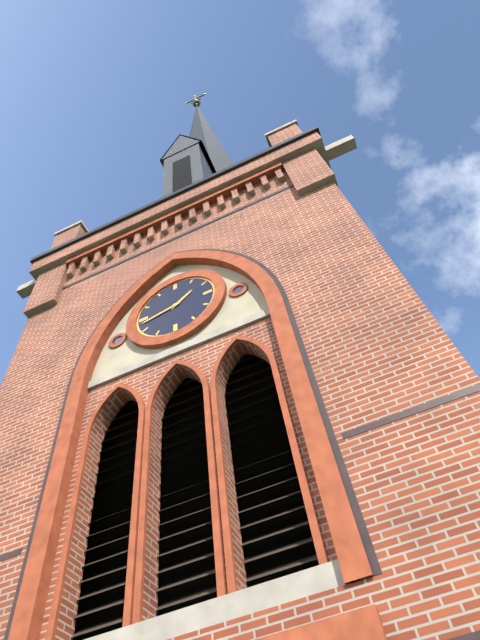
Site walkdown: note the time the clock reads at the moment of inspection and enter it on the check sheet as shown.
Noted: 1:43
